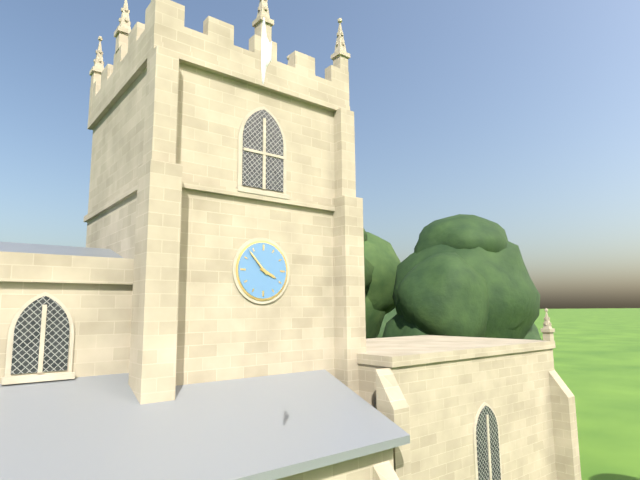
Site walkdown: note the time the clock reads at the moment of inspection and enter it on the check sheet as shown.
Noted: 3:53
